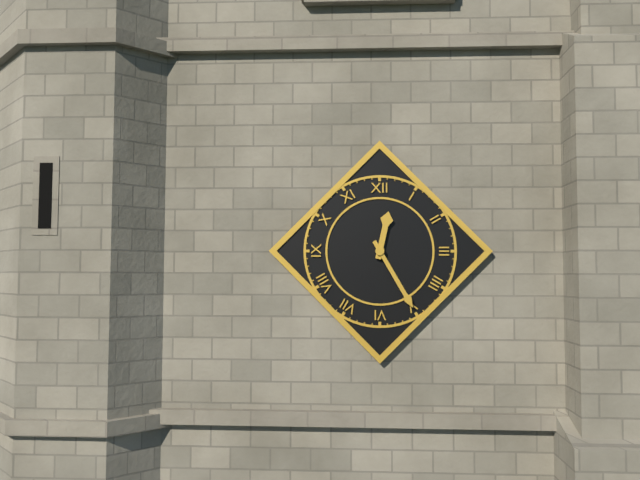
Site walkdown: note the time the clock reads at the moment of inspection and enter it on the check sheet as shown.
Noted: 12:25
